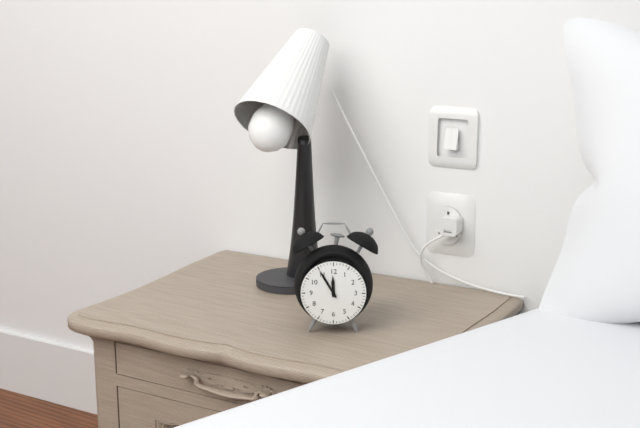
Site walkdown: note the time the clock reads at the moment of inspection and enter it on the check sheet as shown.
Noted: 11:55
